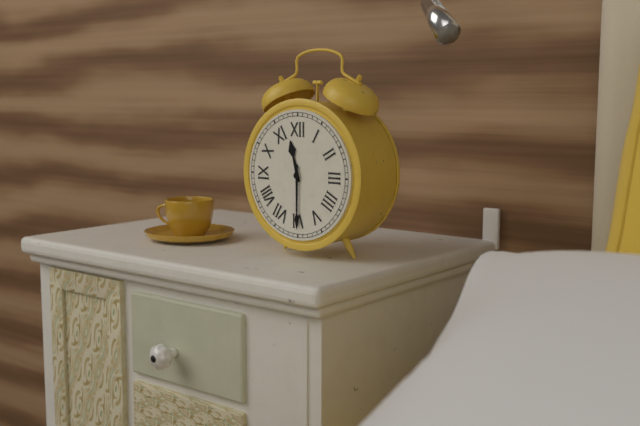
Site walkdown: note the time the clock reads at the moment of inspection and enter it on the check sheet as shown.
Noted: 11:30
